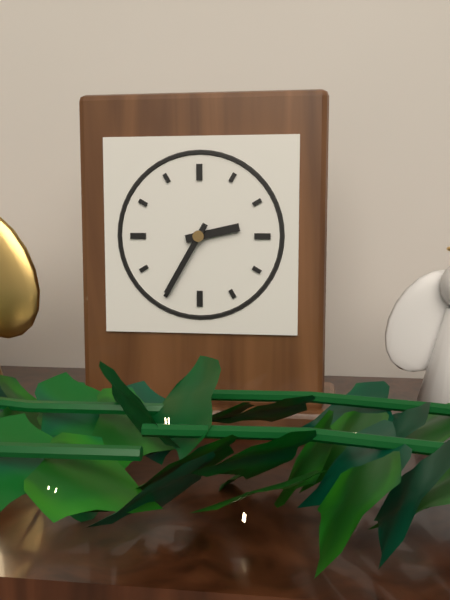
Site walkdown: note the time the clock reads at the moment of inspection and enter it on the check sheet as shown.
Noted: 2:35
